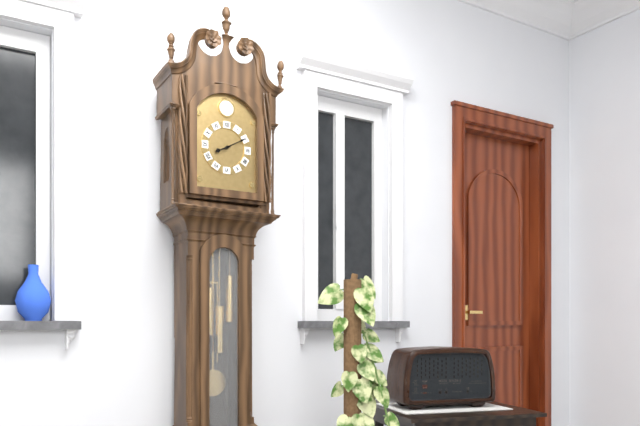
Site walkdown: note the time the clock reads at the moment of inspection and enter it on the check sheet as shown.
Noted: 8:10
